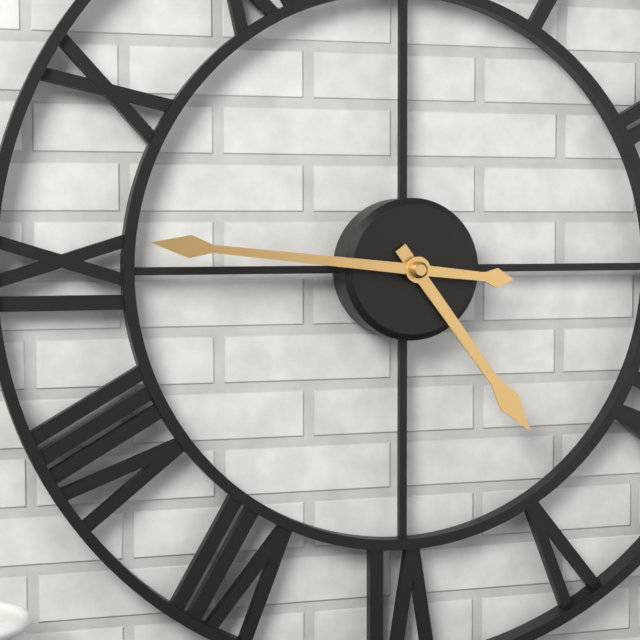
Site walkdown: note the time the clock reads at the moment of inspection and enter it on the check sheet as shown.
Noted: 4:46
